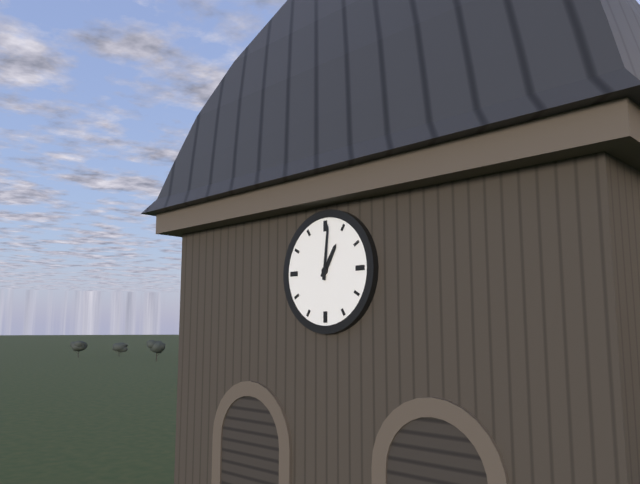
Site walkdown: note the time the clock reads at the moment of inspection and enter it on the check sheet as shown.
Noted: 1:01
